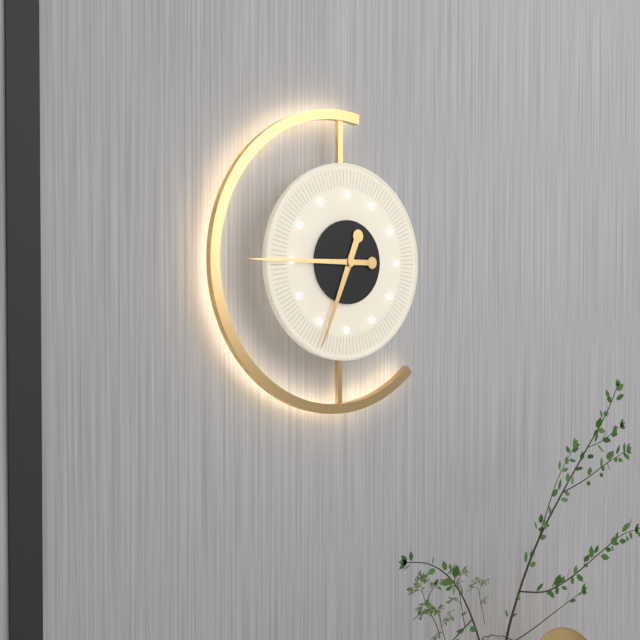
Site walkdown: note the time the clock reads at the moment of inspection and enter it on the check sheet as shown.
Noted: 6:45
